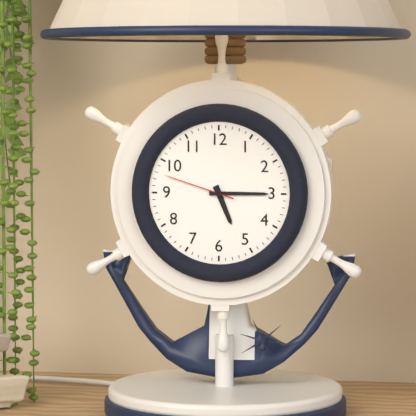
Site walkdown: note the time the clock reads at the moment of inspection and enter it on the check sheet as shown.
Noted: 5:15:48
